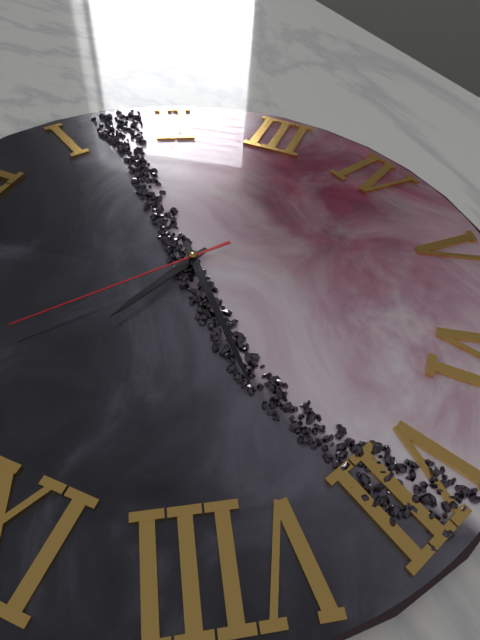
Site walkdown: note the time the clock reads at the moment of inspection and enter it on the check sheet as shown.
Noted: 9:38:51
